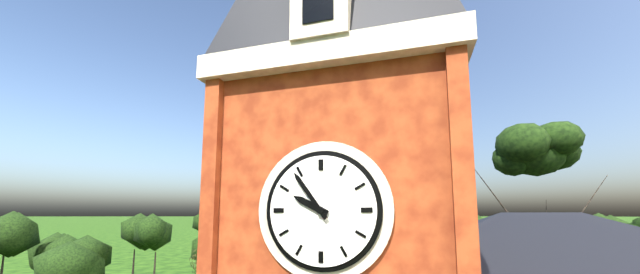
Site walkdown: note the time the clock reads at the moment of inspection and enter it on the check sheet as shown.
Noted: 9:54
